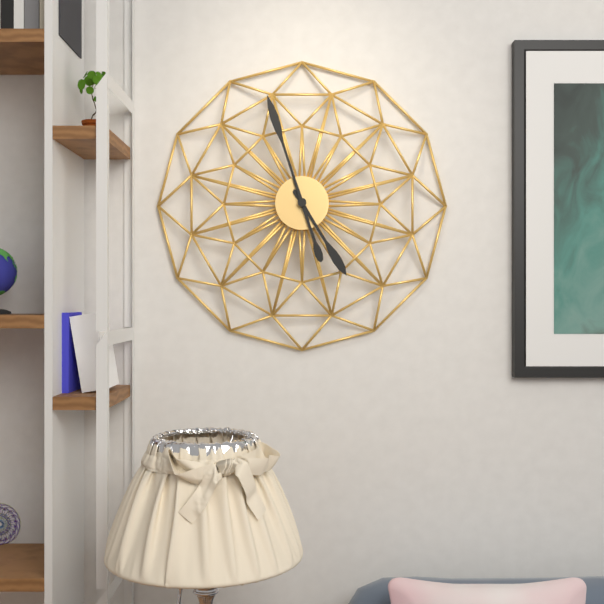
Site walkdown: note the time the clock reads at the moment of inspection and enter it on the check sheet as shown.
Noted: 4:57
